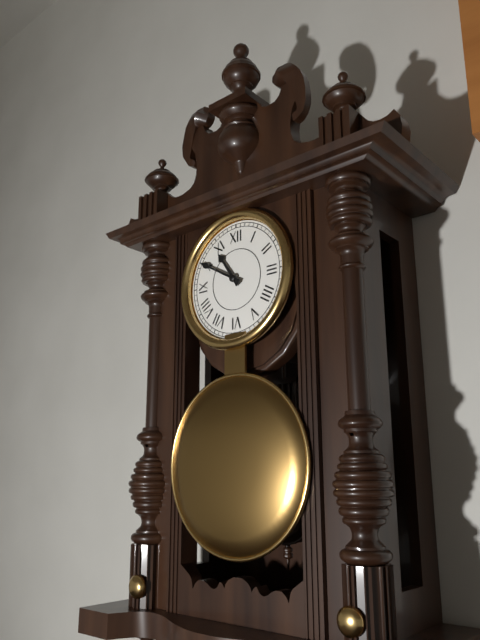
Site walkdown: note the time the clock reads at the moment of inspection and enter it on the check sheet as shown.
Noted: 10:50
